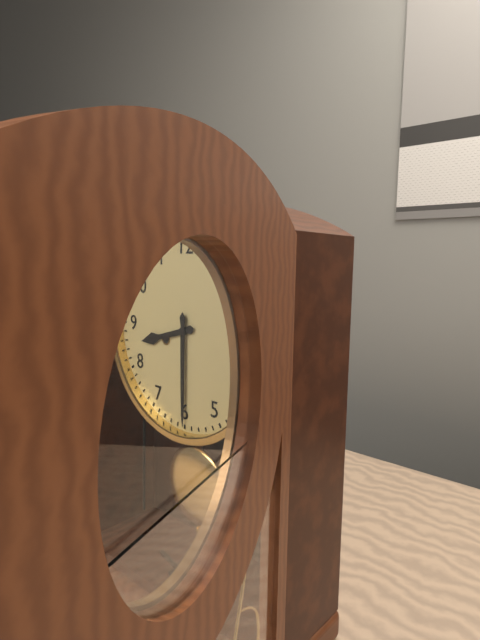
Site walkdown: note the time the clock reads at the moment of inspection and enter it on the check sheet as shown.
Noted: 8:30
